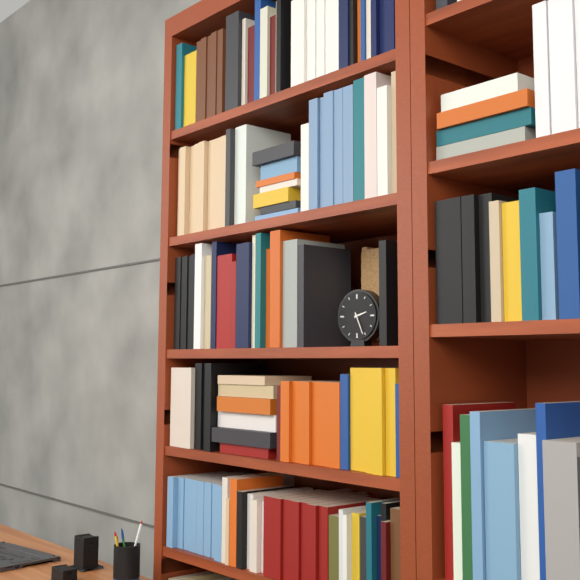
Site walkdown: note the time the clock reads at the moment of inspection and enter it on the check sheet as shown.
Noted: 2:26
